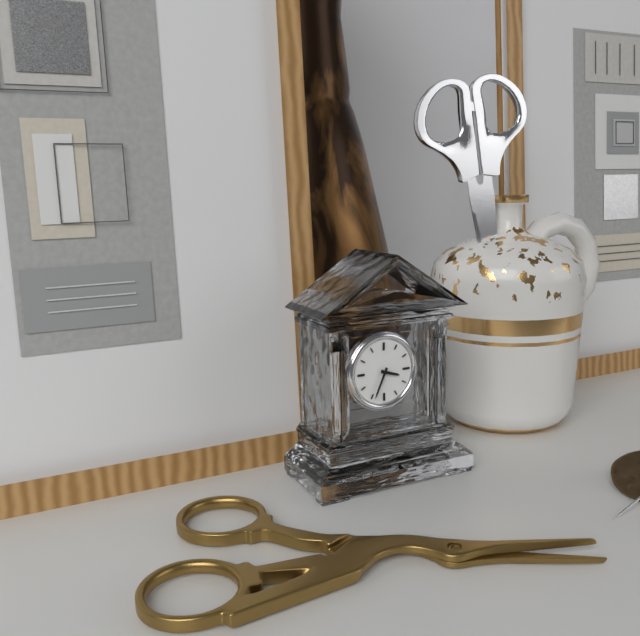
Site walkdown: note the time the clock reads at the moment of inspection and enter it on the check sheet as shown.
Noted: 3:34
